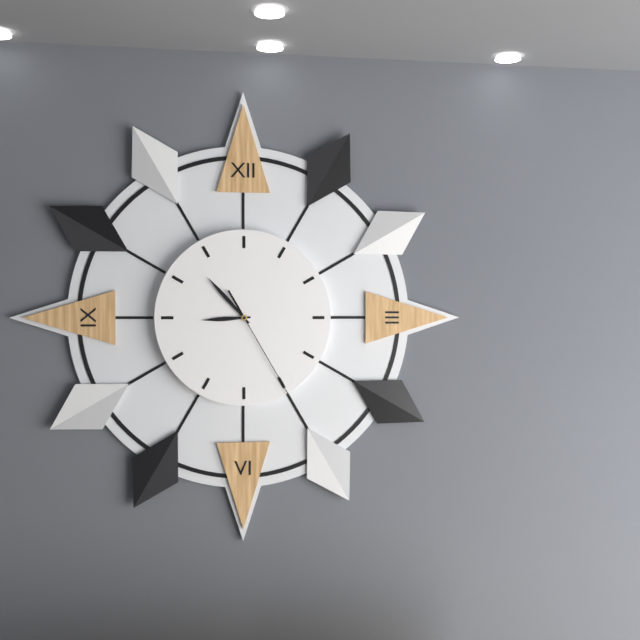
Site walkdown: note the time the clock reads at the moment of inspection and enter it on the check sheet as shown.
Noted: 8:53:25
